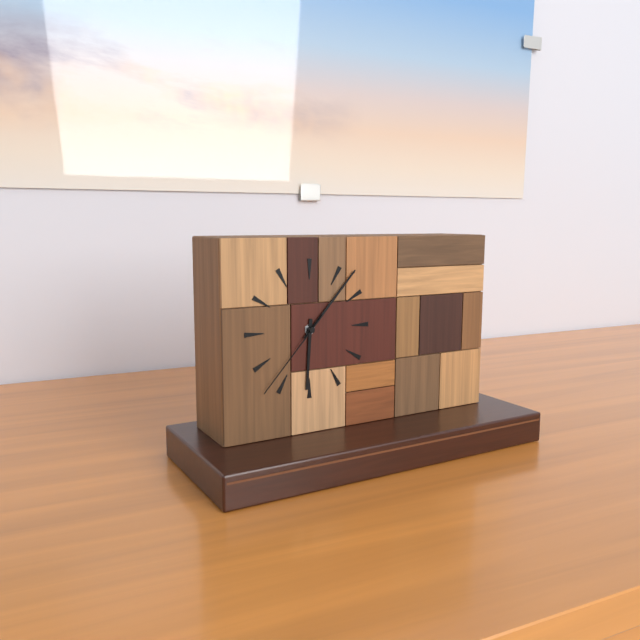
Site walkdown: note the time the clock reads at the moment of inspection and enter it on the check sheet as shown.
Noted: 6:07:37
